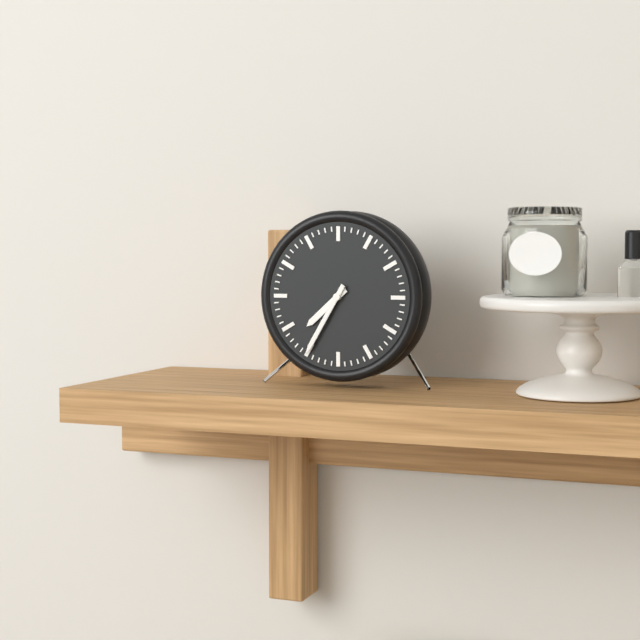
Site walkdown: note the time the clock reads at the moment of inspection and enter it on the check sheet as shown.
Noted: 7:35
